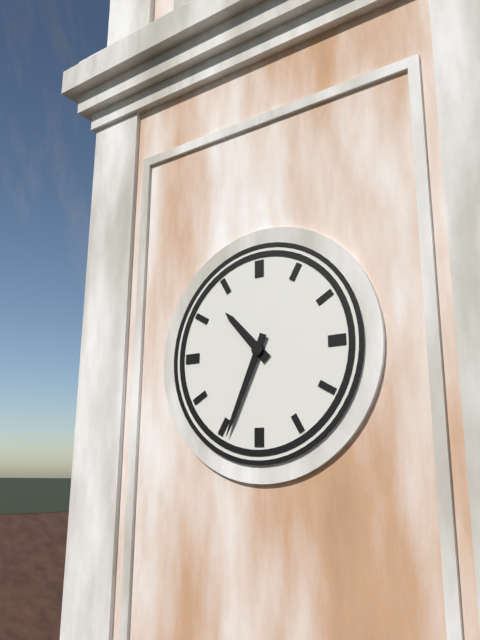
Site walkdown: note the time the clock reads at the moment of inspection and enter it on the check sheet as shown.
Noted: 10:34
